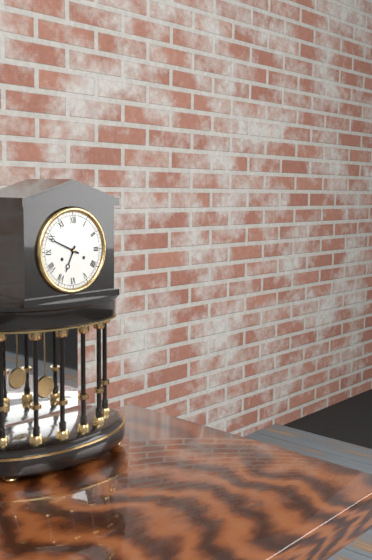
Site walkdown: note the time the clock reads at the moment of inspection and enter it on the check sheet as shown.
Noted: 6:49
